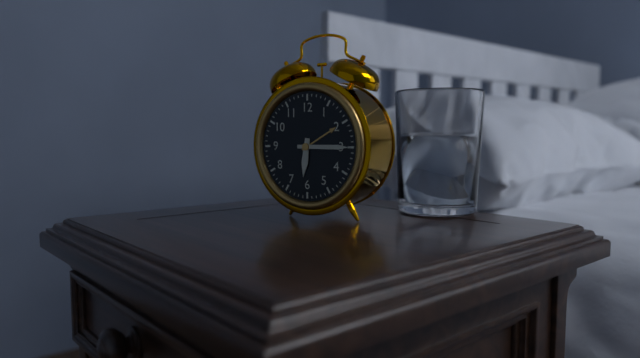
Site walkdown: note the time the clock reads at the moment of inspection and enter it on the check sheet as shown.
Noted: 6:15
